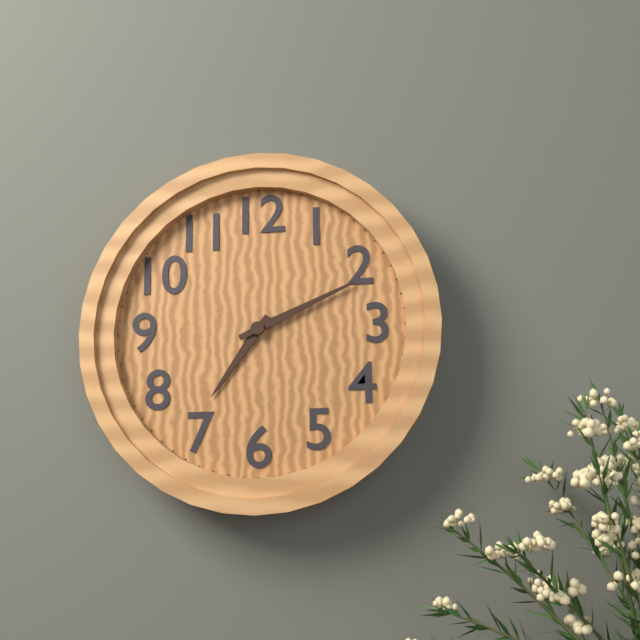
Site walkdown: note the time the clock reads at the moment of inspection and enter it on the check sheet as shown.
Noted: 7:11
